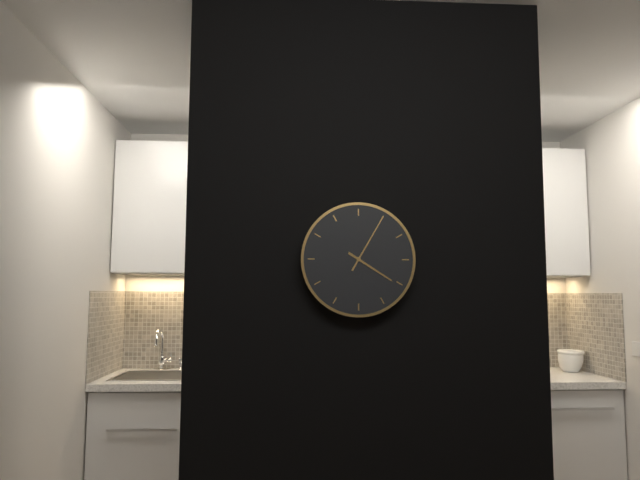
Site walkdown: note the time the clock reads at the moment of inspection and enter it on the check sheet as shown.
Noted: 4:05
